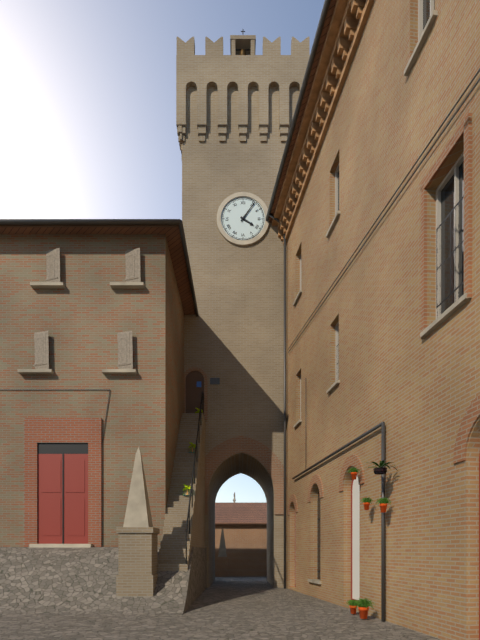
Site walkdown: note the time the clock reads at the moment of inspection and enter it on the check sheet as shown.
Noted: 4:06
